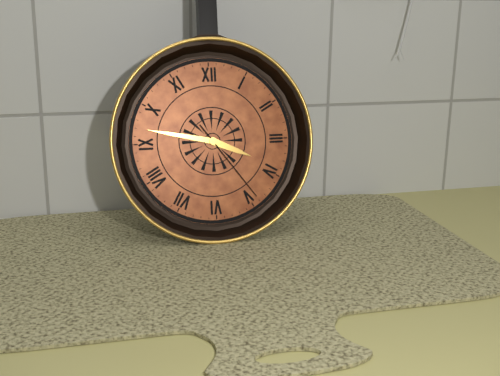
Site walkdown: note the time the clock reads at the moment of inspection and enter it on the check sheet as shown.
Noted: 3:47:24
